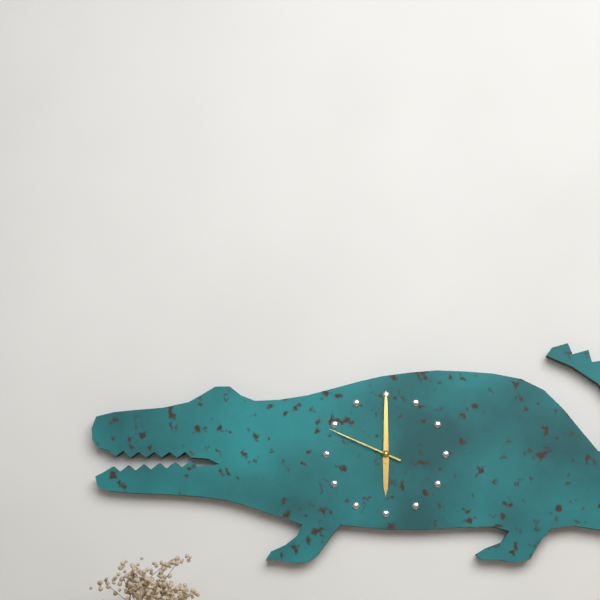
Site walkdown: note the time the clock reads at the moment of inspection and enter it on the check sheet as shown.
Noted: 6:00:49
